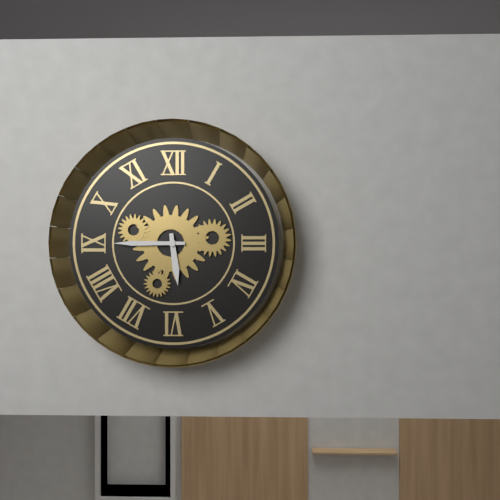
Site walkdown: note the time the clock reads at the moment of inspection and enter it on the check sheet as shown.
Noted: 5:45
